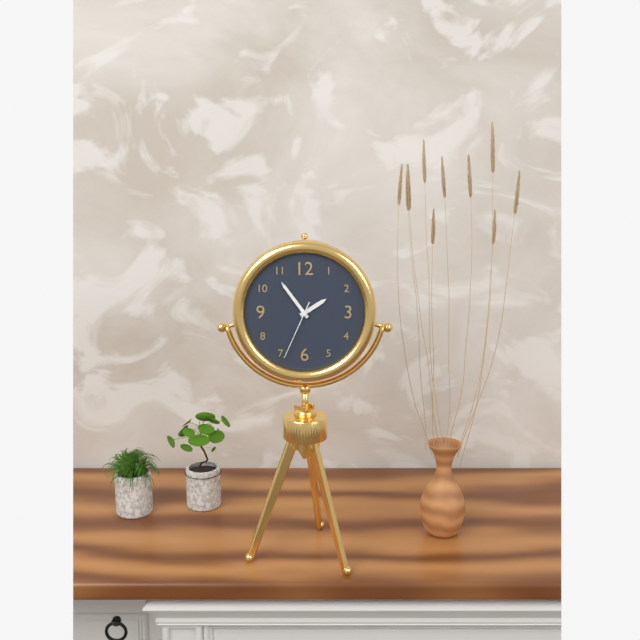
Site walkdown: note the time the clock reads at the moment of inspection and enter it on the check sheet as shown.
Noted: 1:54:34
